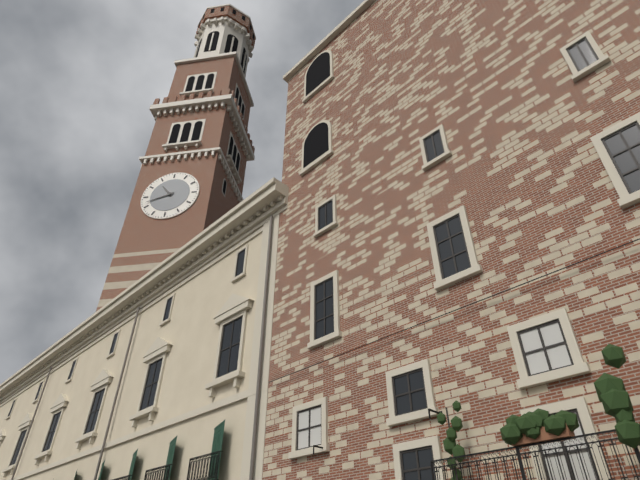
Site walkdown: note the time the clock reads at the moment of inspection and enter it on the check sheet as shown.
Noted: 10:42
